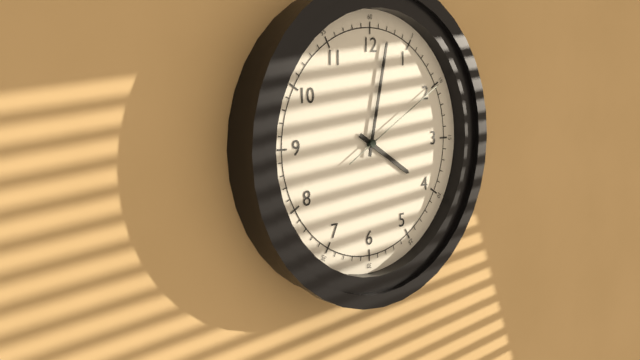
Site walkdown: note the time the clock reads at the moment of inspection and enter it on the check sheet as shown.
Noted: 4:02:10
